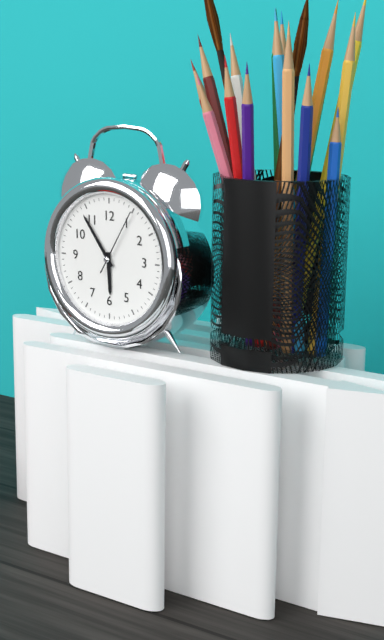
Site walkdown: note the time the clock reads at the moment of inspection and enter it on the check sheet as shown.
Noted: 5:54:05
